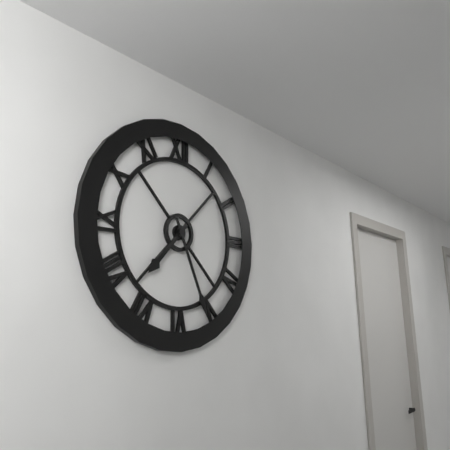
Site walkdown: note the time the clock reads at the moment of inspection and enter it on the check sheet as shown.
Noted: 7:26
